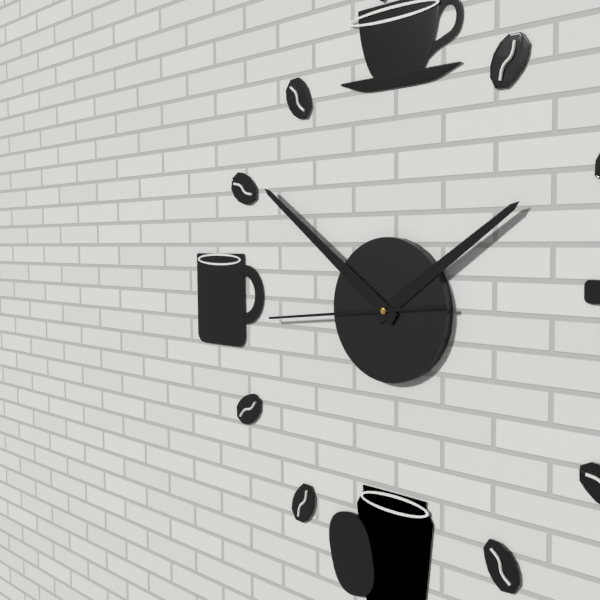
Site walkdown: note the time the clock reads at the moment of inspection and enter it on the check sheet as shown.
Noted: 1:51:44
